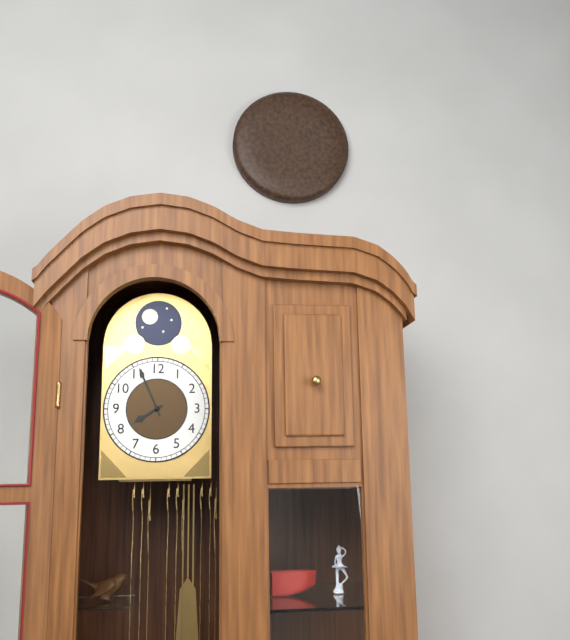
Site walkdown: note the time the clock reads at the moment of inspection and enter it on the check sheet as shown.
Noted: 7:56
